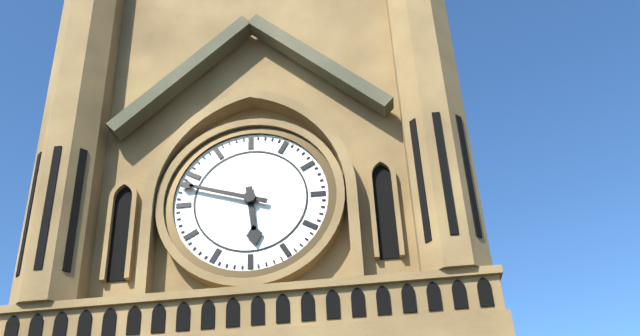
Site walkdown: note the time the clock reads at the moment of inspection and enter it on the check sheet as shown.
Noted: 5:48
